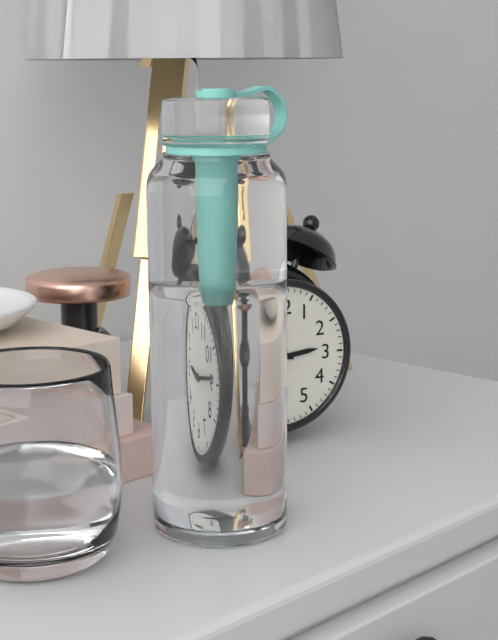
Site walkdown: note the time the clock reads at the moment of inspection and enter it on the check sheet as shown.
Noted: 2:46
